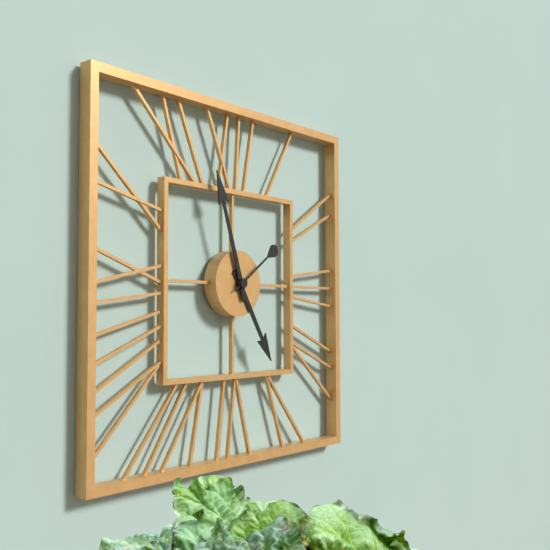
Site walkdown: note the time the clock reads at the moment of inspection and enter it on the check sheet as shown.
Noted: 4:57:09
